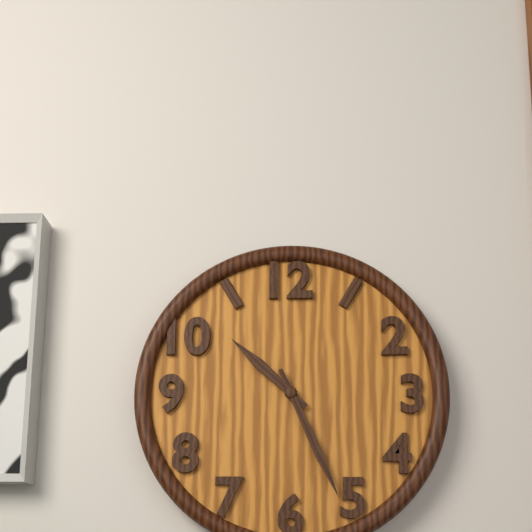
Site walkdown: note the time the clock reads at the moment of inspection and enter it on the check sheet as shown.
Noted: 10:26
